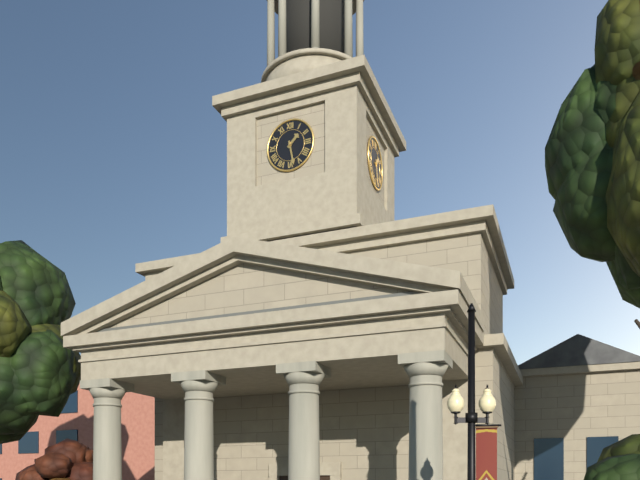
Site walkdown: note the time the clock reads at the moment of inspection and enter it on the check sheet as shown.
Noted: 1:28
